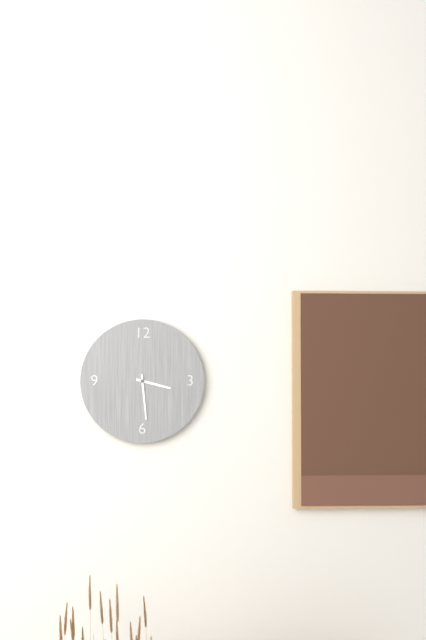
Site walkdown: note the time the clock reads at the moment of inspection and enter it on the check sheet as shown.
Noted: 3:29
